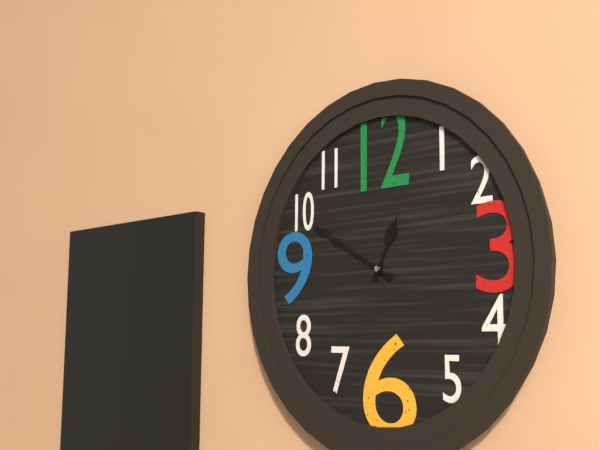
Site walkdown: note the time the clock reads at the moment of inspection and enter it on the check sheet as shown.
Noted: 12:50
